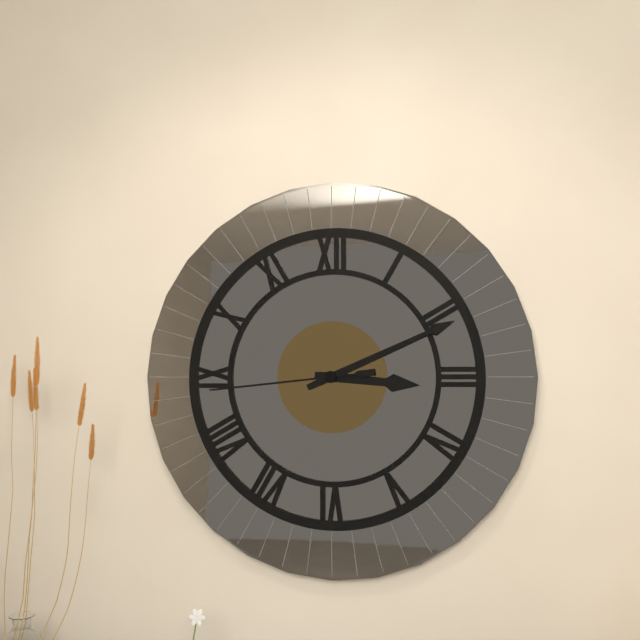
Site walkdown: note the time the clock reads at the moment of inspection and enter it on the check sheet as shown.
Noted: 3:11:44
